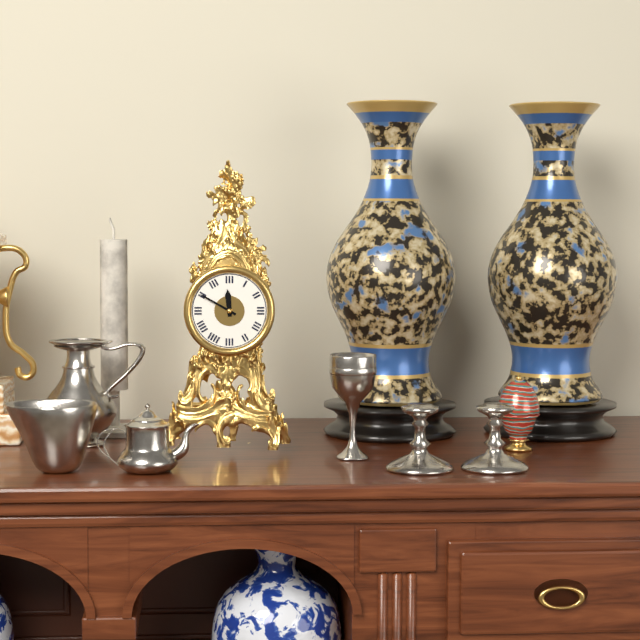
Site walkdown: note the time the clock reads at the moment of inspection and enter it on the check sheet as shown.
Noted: 11:50
